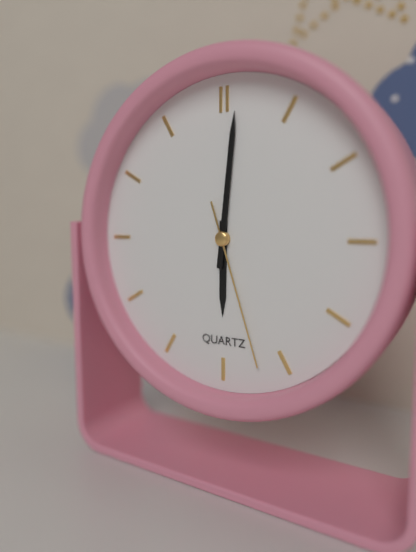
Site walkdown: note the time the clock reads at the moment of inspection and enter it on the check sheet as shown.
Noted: 6:01:27
